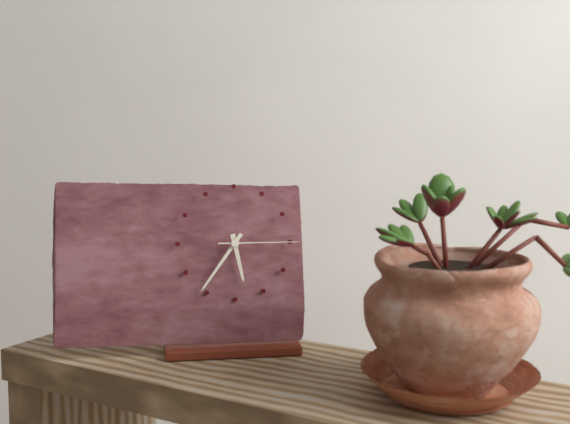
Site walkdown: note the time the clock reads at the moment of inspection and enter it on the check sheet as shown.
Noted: 5:36:15
